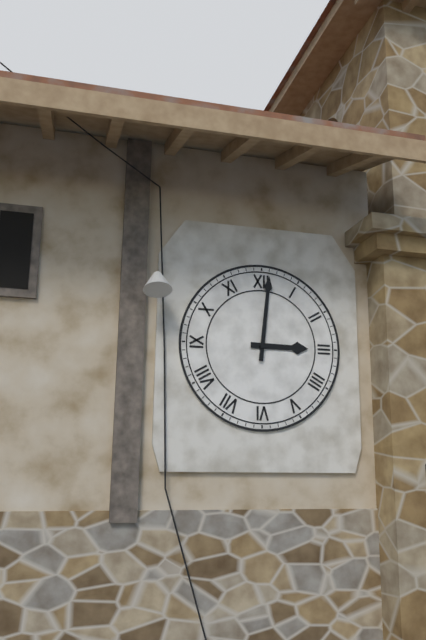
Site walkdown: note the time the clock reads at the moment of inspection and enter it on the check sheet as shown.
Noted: 3:01
